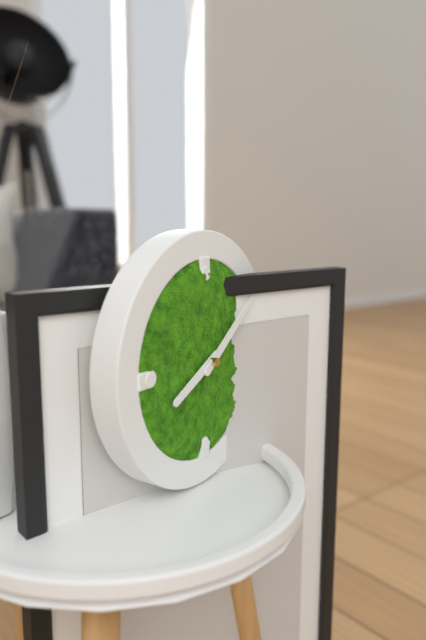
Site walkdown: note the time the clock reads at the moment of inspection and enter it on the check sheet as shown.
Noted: 8:09
